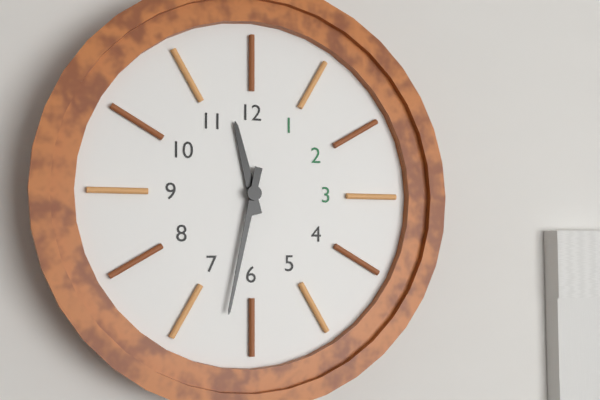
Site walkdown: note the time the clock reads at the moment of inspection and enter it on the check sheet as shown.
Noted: 11:32
